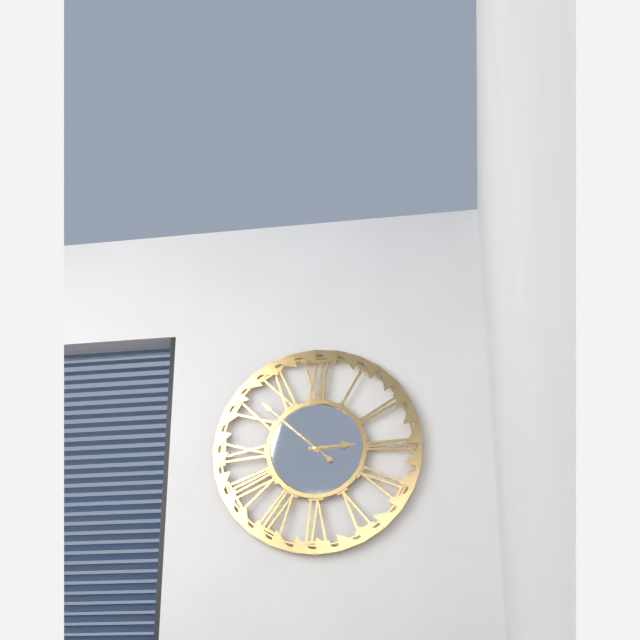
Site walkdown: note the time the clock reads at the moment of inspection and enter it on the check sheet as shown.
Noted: 2:52
